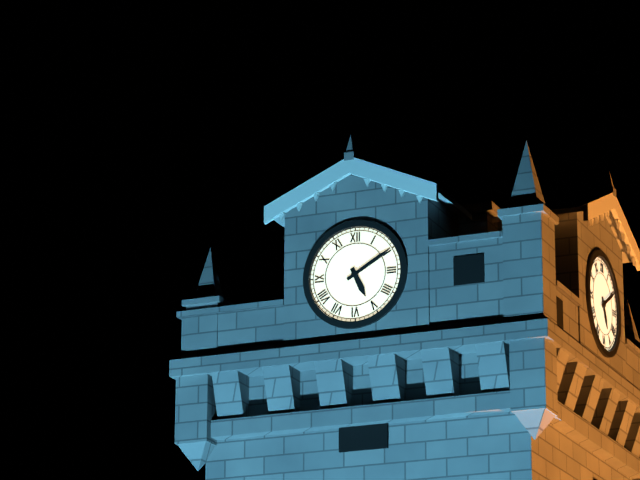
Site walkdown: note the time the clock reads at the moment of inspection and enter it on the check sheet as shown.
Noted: 5:10
